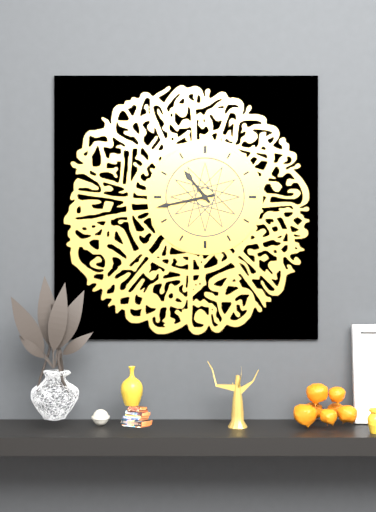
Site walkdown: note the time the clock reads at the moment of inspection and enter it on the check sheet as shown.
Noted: 10:43
